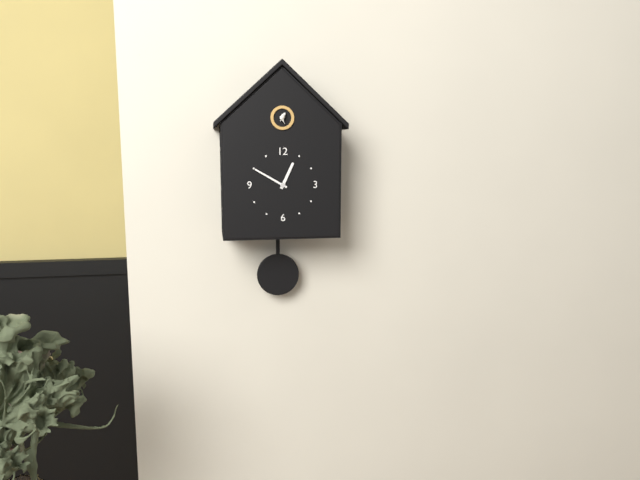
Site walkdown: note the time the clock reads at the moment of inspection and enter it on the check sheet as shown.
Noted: 12:50
